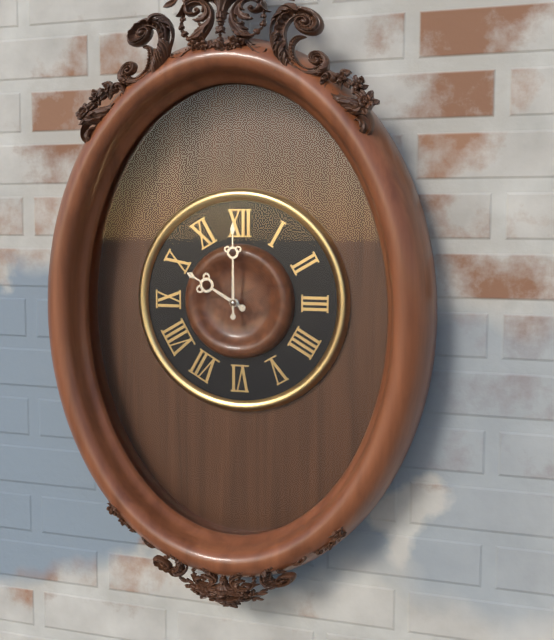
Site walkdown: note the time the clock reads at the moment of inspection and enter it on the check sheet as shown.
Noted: 10:00
